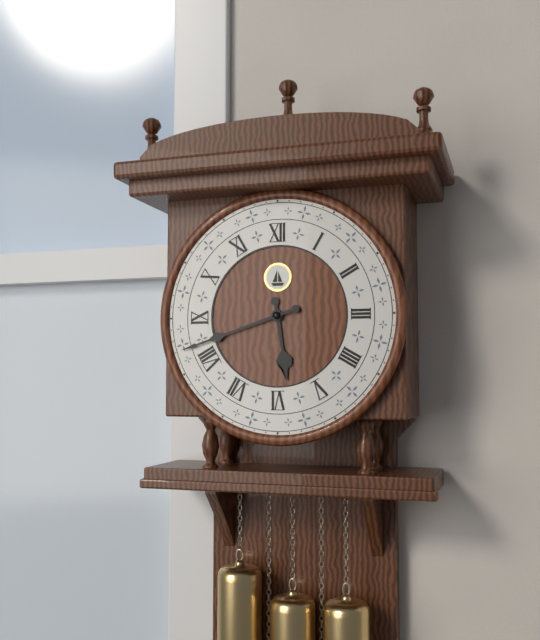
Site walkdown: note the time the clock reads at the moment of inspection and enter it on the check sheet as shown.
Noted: 5:42
